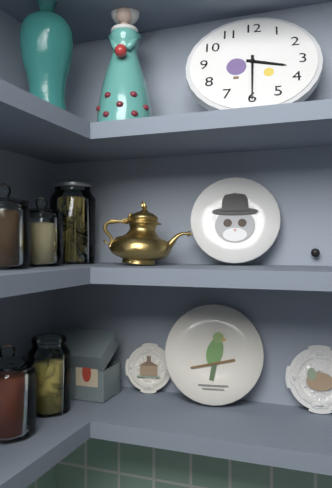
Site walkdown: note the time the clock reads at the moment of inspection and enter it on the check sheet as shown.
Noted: 3:30
